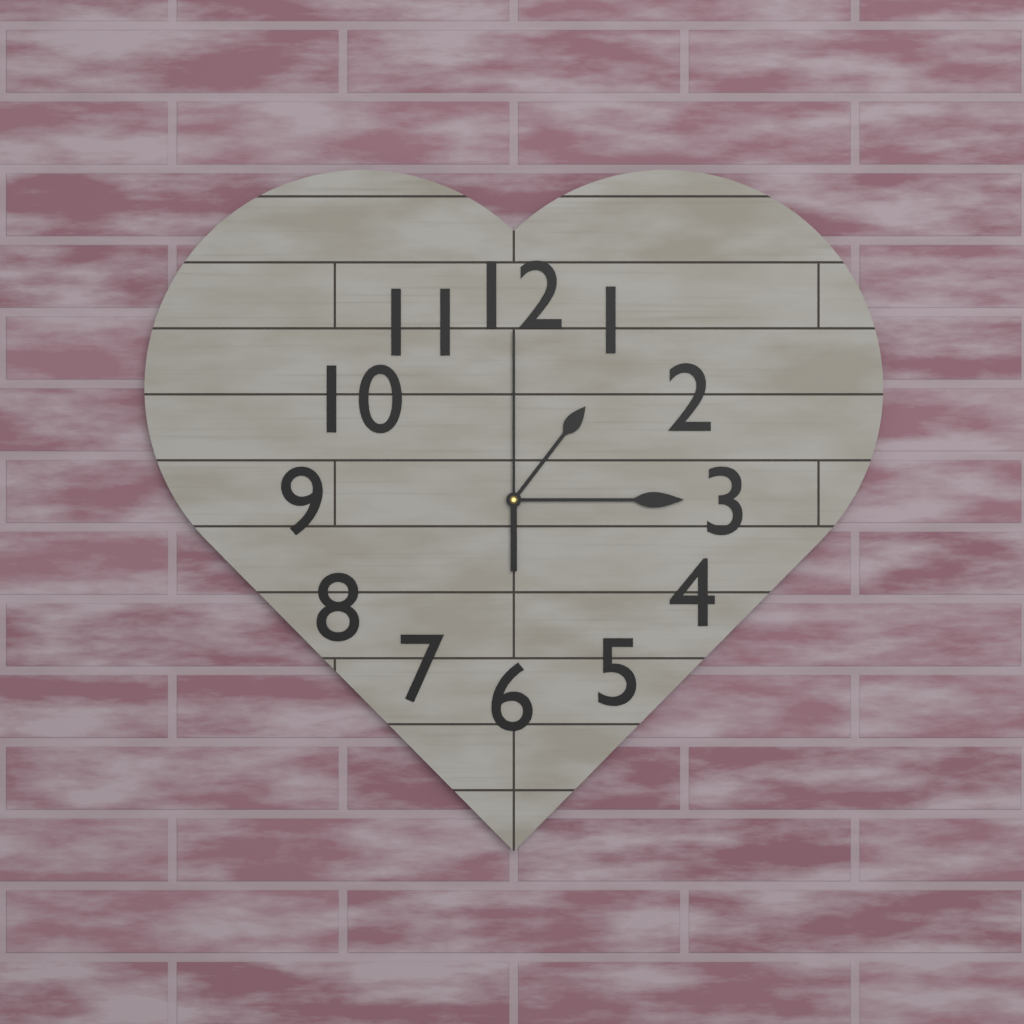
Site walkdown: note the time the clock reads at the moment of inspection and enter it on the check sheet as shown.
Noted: 1:15:00
